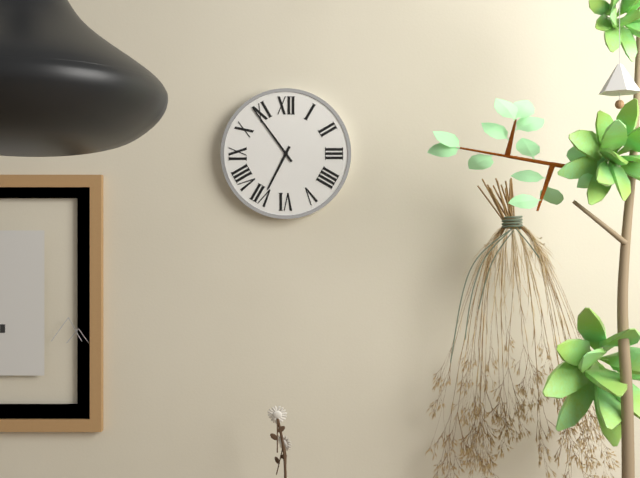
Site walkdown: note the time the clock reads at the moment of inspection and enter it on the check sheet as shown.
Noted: 6:54
